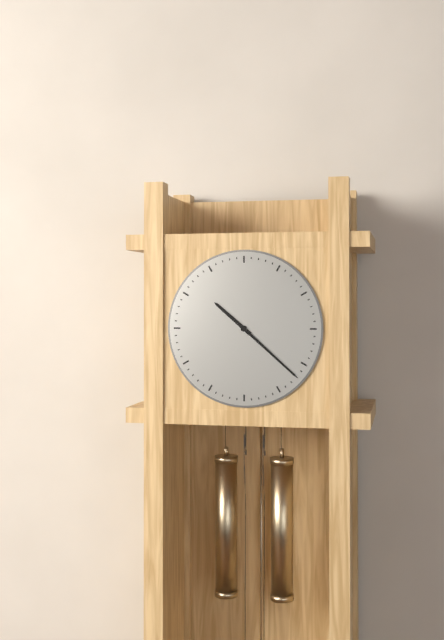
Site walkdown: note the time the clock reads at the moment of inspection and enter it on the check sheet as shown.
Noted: 10:22
